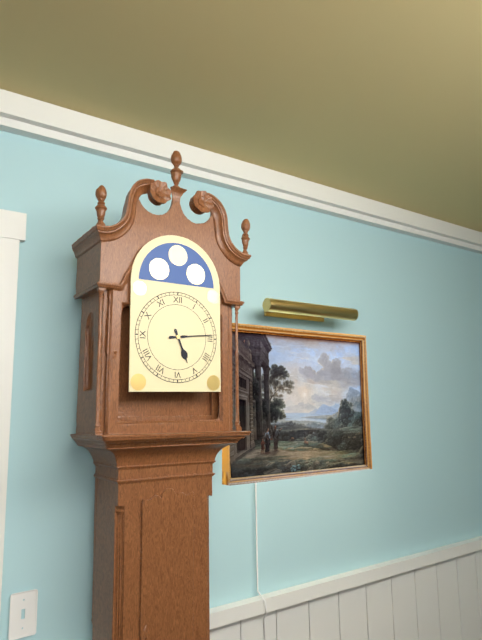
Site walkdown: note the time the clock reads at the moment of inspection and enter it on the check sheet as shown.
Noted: 5:14
